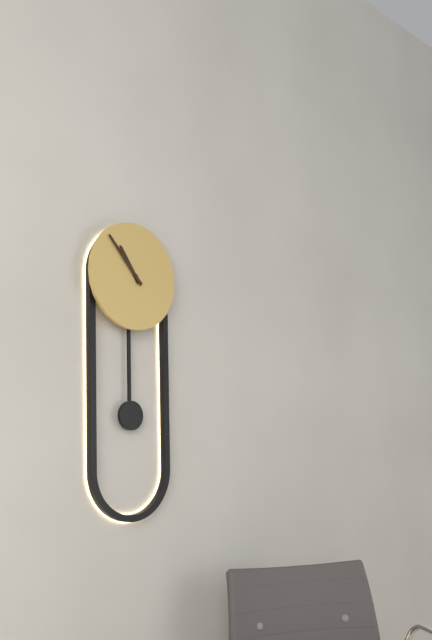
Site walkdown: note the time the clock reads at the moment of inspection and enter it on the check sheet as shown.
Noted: 10:53
